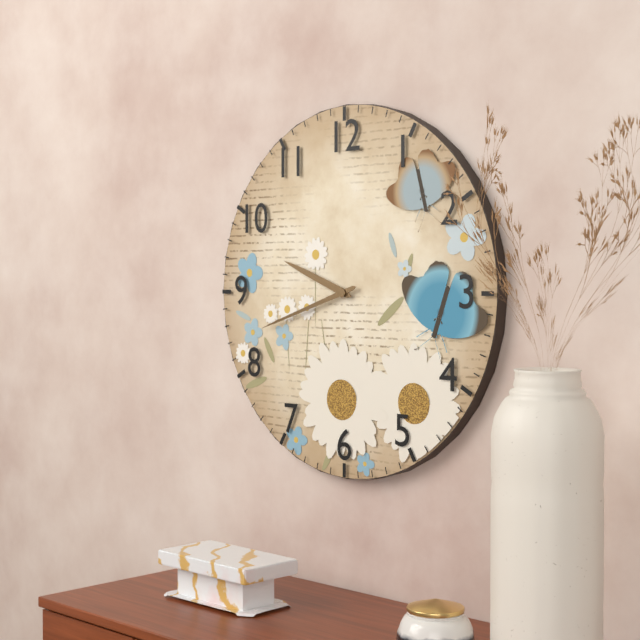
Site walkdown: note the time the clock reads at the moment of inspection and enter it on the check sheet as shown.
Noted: 9:42
